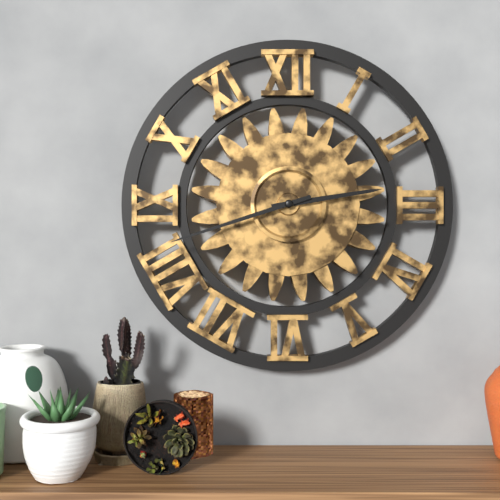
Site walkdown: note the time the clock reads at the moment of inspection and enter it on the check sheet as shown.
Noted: 2:42
